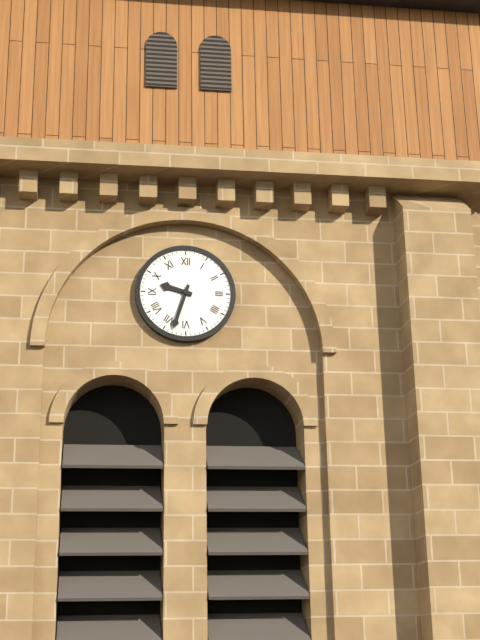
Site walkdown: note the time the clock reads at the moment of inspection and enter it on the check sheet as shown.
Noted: 9:33
